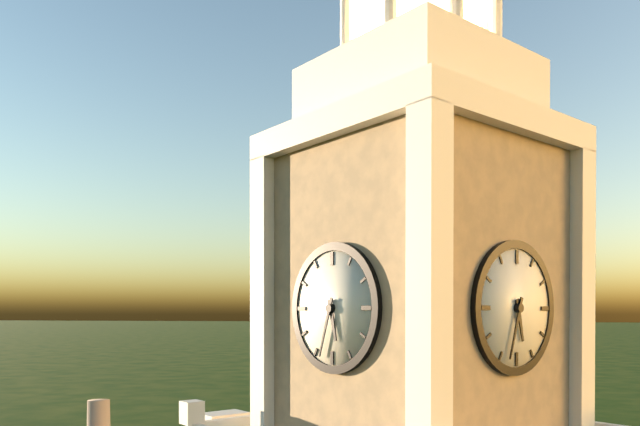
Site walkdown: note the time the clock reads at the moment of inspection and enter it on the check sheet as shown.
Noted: 5:33
